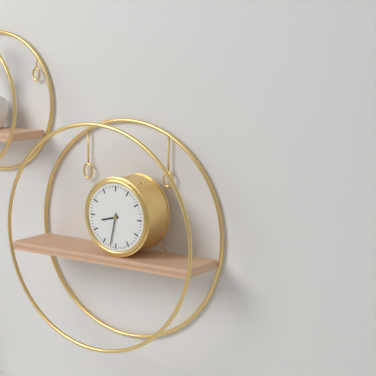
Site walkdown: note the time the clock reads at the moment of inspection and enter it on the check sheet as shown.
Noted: 8:32
